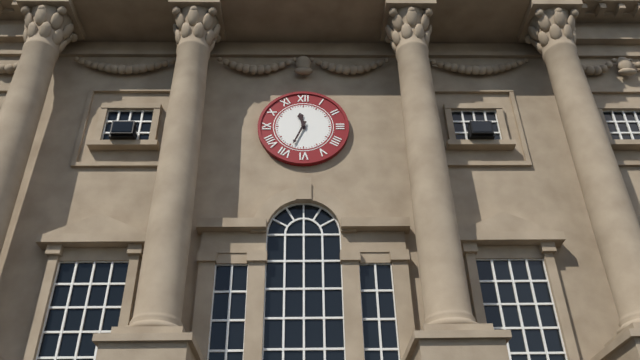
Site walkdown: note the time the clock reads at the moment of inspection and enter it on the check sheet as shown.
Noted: 11:34
